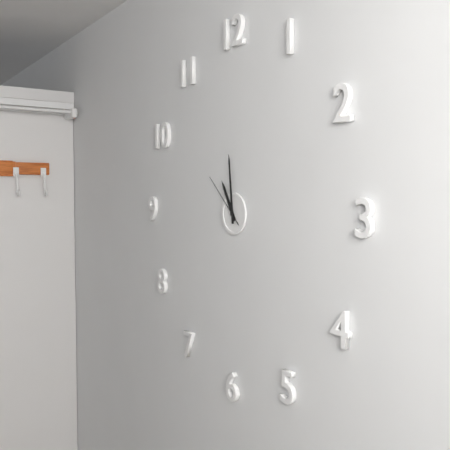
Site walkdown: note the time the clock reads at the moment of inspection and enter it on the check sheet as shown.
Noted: 10:59:52
